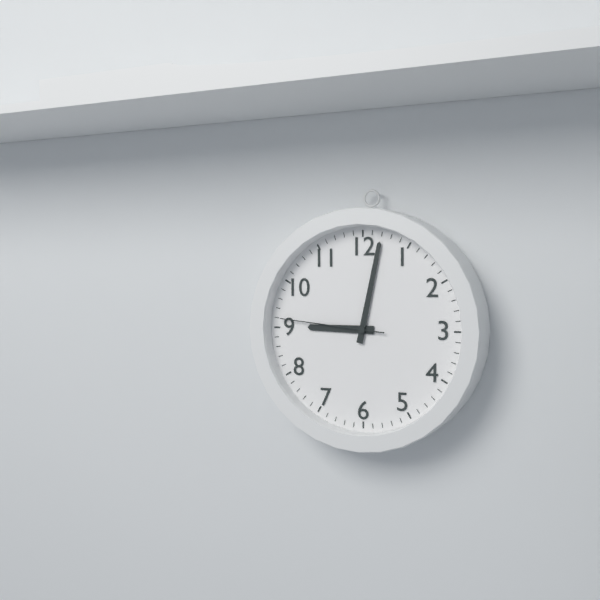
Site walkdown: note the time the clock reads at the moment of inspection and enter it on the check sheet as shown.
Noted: 9:02:46
